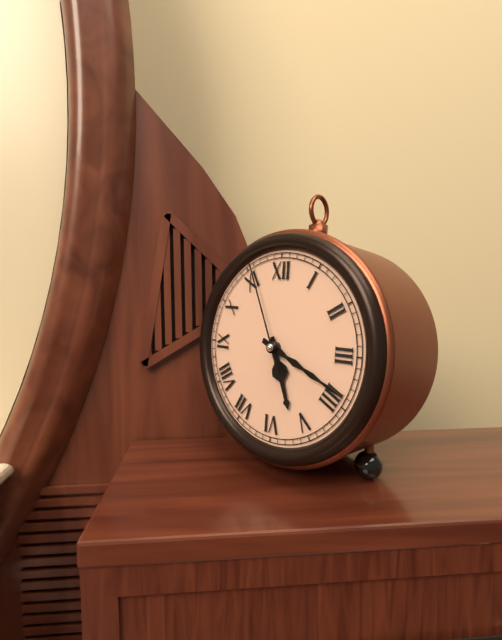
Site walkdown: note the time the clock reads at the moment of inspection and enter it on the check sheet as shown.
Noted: 5:19:56
